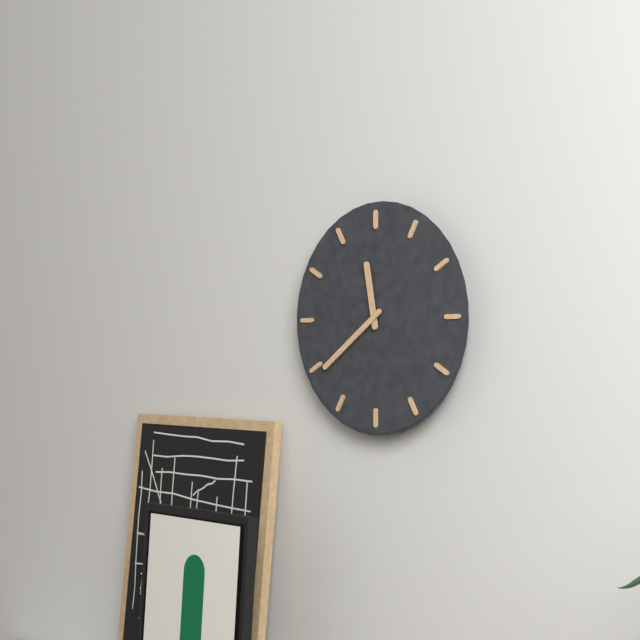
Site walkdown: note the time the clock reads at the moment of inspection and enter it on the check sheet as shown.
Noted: 11:39
